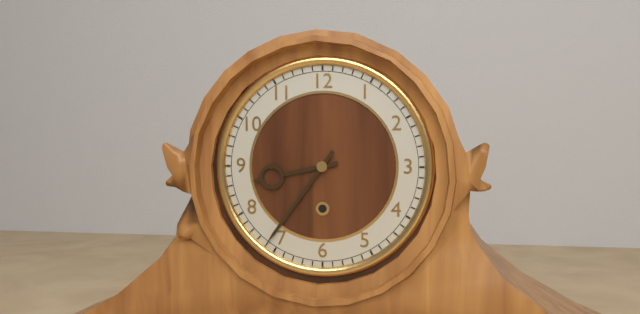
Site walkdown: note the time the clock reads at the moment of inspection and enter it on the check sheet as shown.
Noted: 8:36
